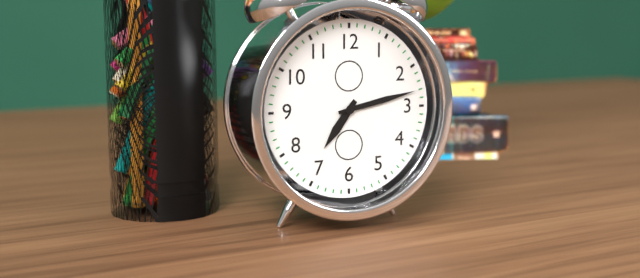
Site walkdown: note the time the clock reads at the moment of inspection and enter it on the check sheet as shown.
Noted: 7:13
